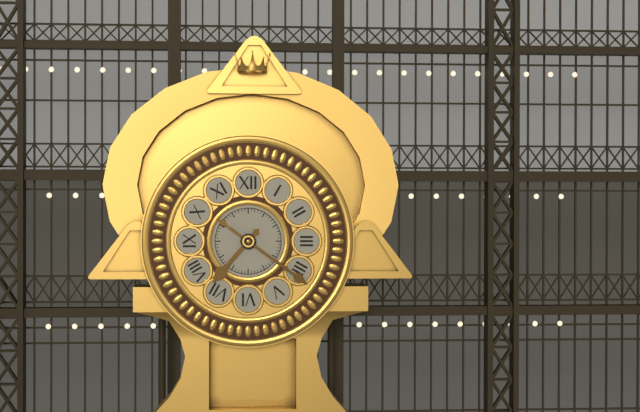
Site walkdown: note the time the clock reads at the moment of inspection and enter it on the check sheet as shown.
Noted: 7:21
